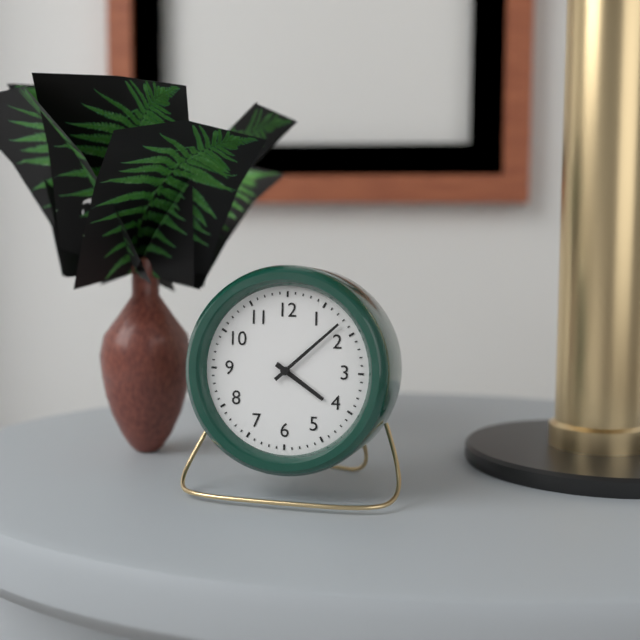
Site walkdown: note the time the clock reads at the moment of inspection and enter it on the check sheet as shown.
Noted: 4:08
